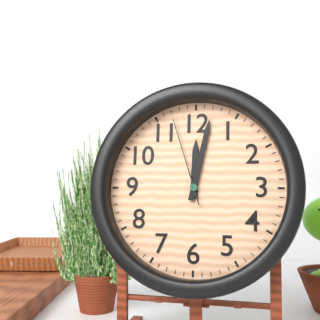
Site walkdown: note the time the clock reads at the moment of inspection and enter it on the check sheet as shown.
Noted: 12:02:57
